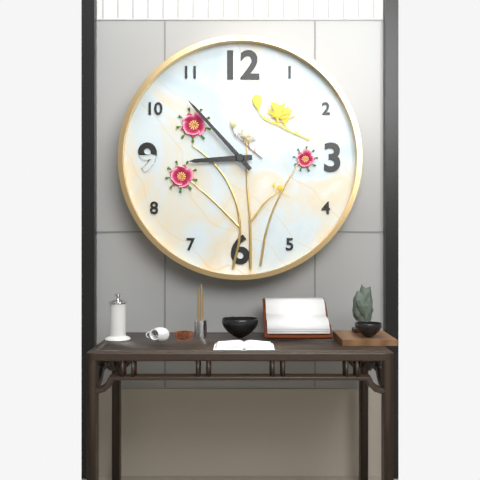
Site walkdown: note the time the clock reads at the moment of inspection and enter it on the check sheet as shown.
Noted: 8:53
